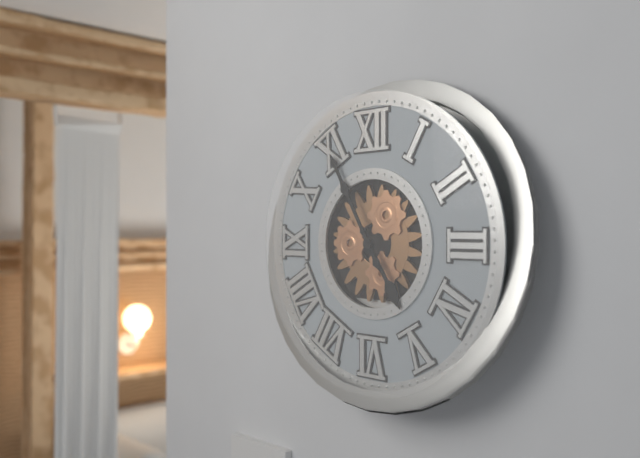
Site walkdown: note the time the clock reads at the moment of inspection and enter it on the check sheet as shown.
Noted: 4:55
